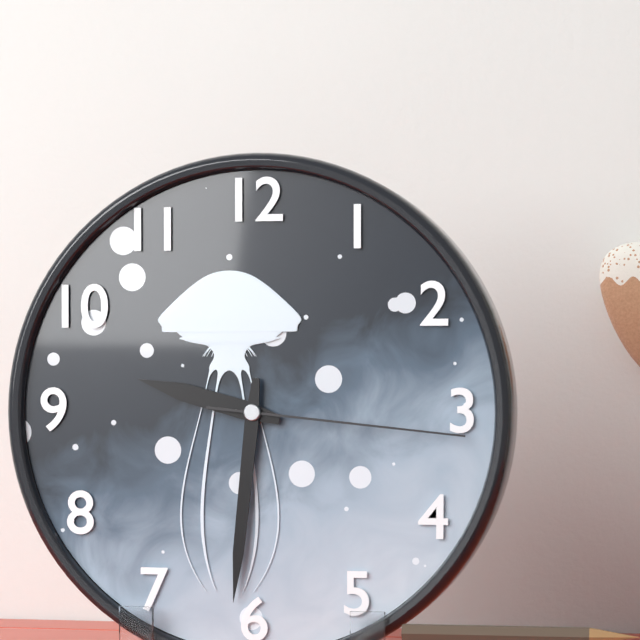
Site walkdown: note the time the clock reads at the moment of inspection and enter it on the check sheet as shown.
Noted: 9:31:16
